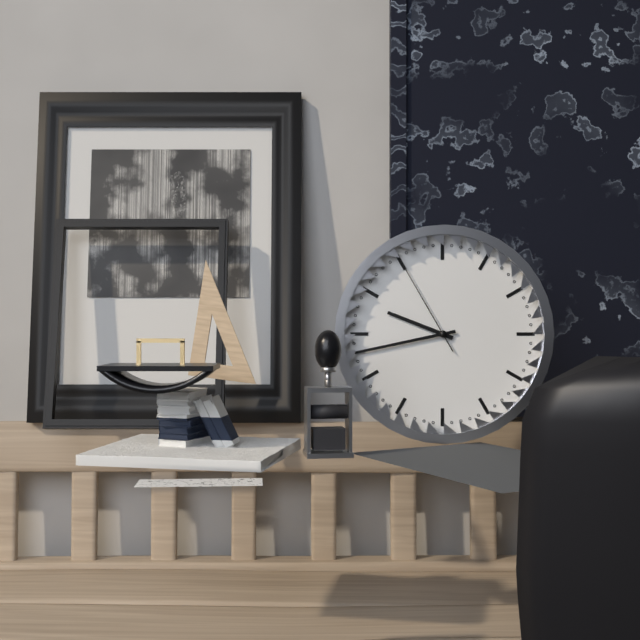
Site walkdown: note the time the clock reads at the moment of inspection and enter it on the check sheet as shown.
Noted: 9:43:55
